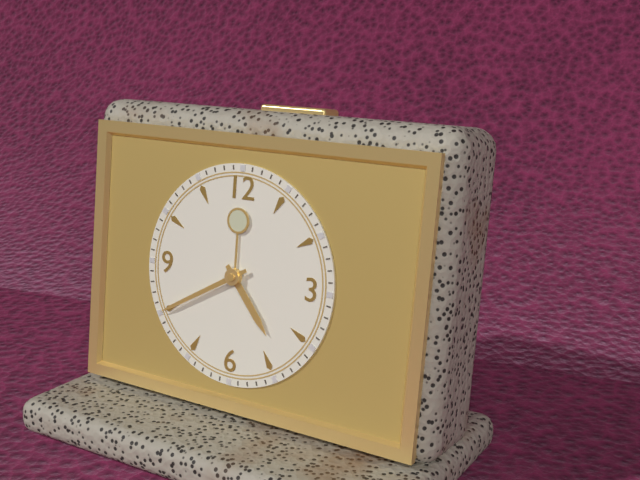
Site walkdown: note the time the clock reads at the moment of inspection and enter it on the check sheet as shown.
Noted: 4:40
